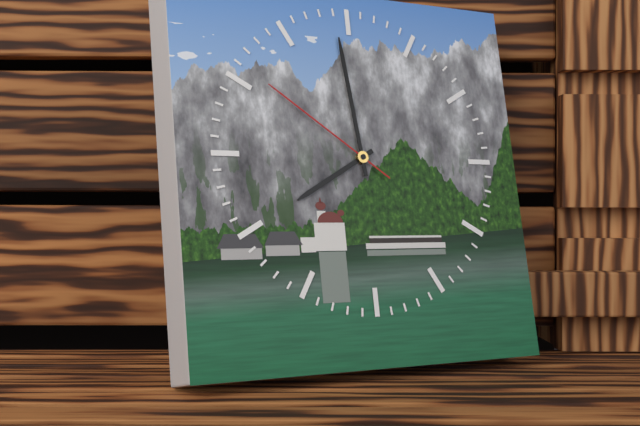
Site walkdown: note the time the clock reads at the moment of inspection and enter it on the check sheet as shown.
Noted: 7:59:51
